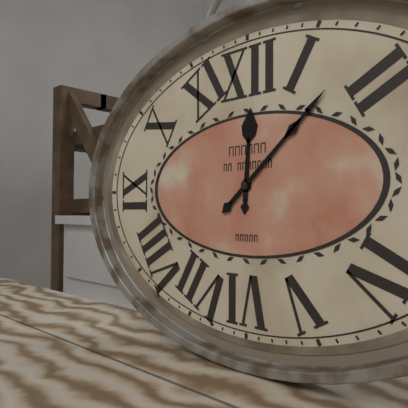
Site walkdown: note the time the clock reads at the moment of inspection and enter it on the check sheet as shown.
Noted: 12:08
